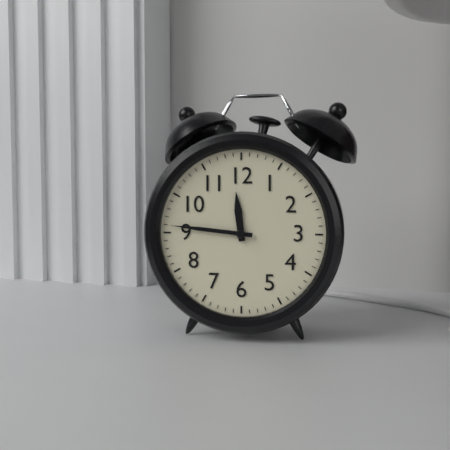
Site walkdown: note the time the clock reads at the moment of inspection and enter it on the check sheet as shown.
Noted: 11:46
